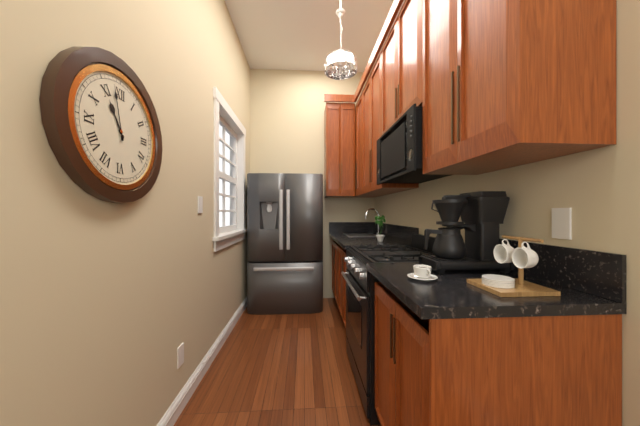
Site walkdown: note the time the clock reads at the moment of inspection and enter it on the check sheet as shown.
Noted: 10:58
